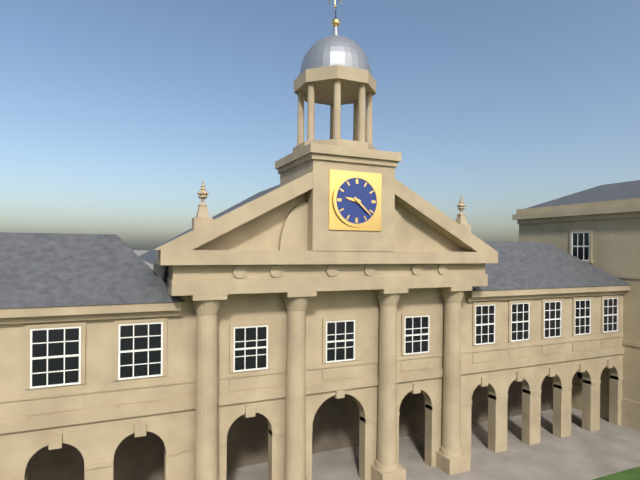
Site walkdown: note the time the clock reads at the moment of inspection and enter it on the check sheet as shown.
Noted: 9:22
